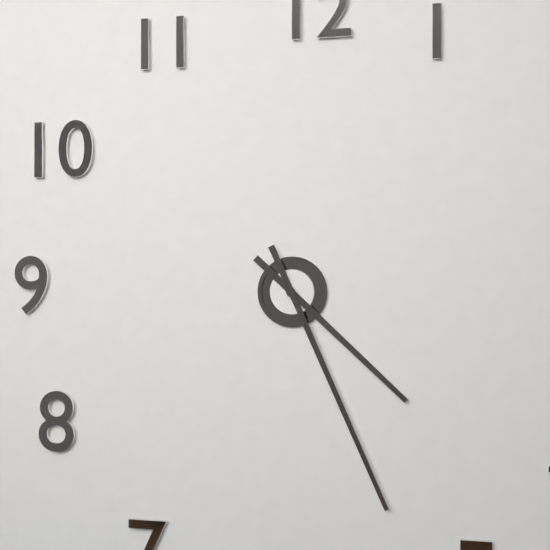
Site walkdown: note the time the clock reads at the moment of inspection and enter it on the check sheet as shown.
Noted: 4:26
